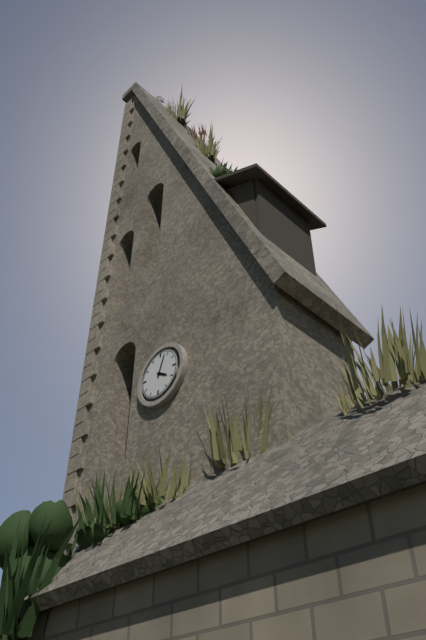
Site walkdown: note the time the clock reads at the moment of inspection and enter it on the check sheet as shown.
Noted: 4:03
